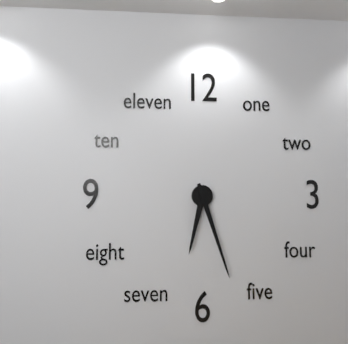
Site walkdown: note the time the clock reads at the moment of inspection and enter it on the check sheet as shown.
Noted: 6:27
